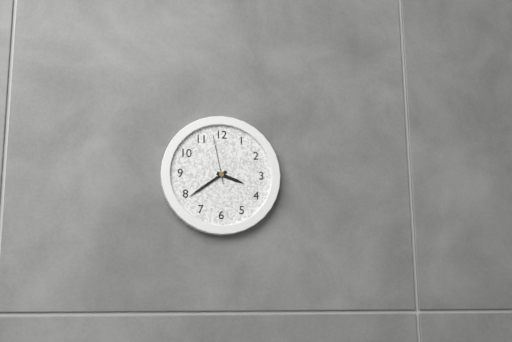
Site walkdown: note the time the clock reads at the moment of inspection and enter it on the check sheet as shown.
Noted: 3:39:58
